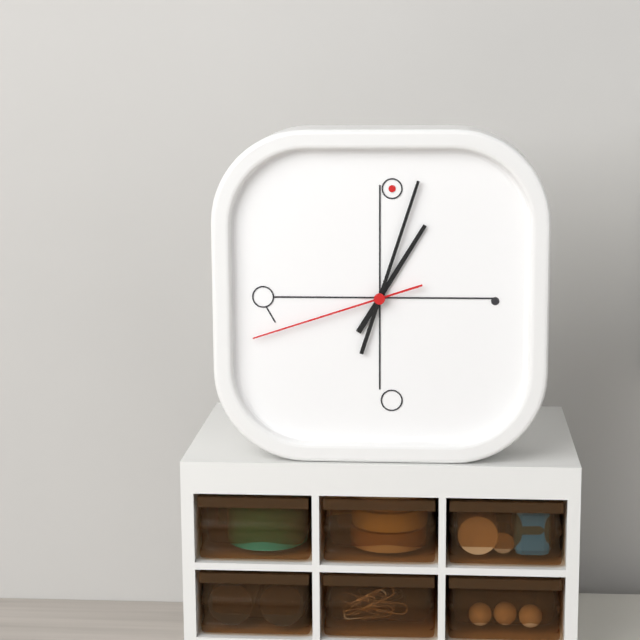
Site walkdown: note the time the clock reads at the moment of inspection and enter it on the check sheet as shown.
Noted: 1:03:42
